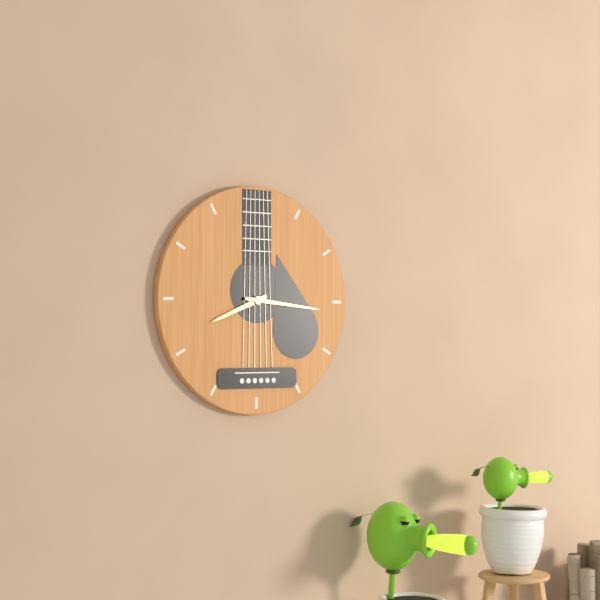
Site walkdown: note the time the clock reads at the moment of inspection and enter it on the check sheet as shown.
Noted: 8:16
